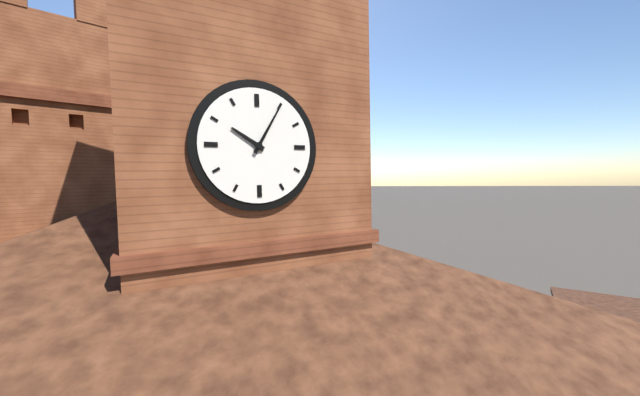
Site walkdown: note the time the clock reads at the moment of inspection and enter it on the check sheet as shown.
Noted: 10:05
